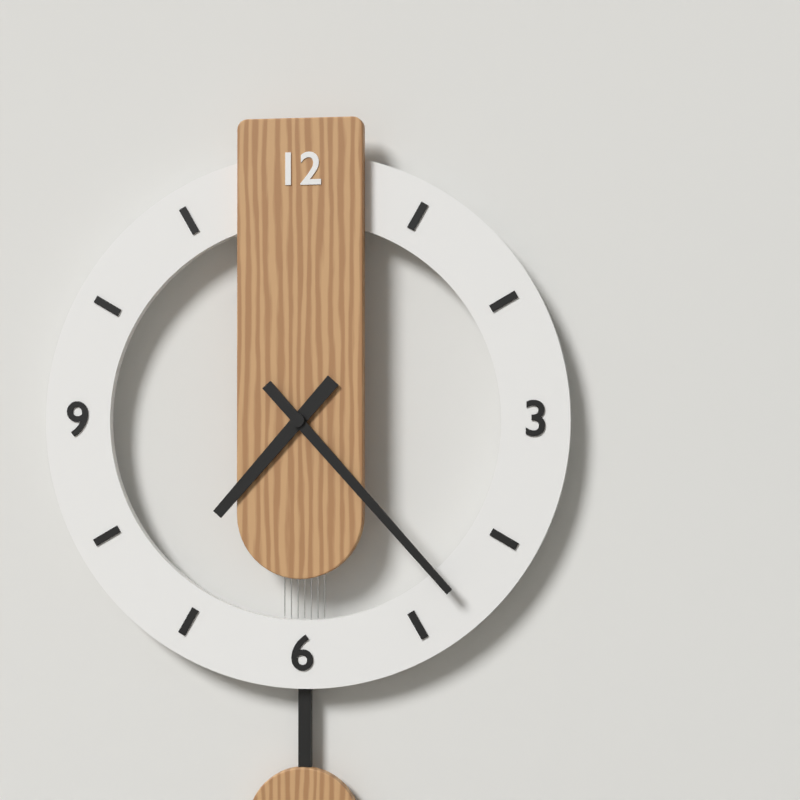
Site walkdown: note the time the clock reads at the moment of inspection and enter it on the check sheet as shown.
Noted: 7:23
